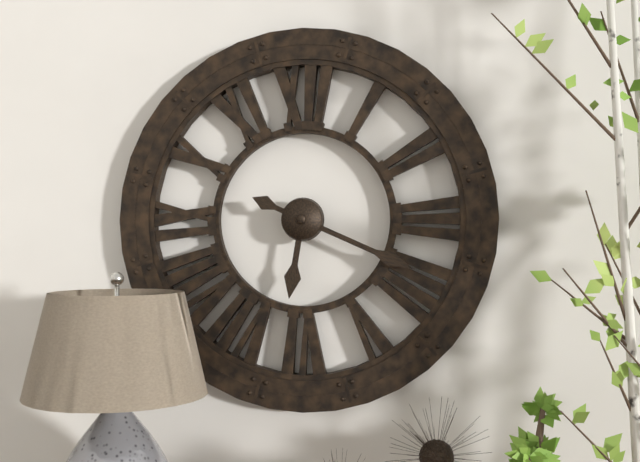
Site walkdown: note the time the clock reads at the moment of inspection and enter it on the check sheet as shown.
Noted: 6:19
